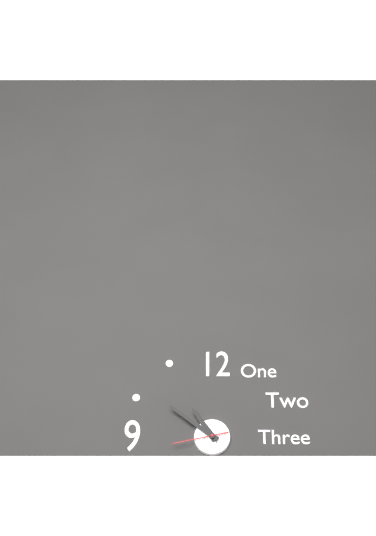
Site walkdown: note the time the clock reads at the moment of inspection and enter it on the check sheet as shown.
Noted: 10:51:43
